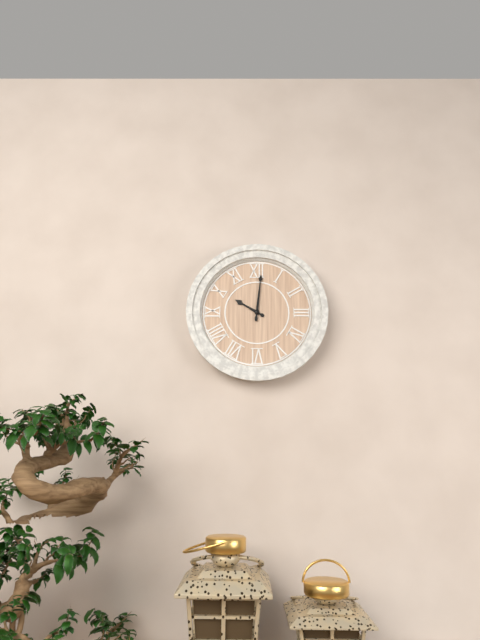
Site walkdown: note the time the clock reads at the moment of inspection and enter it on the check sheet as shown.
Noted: 10:01
